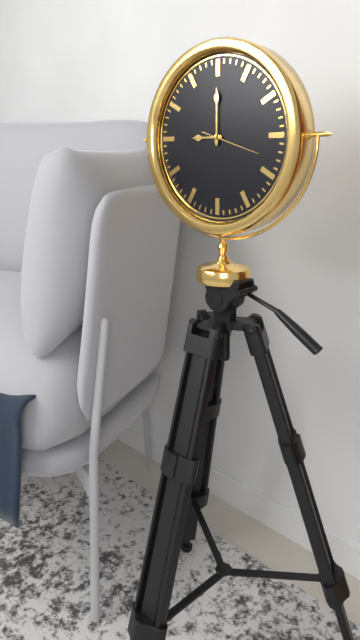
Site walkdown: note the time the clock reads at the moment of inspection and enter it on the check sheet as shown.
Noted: 9:00:18
